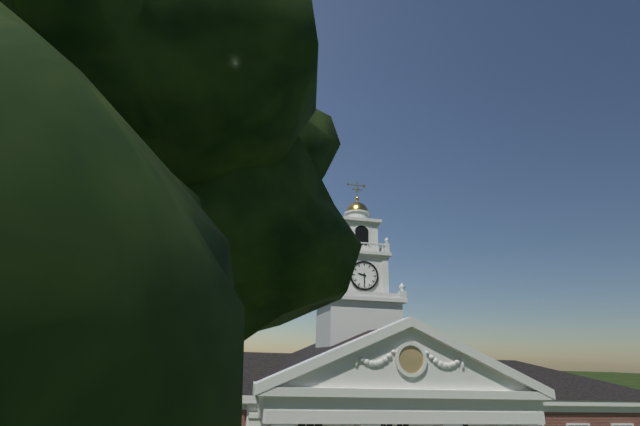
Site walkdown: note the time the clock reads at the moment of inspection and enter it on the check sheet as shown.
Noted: 9:30
